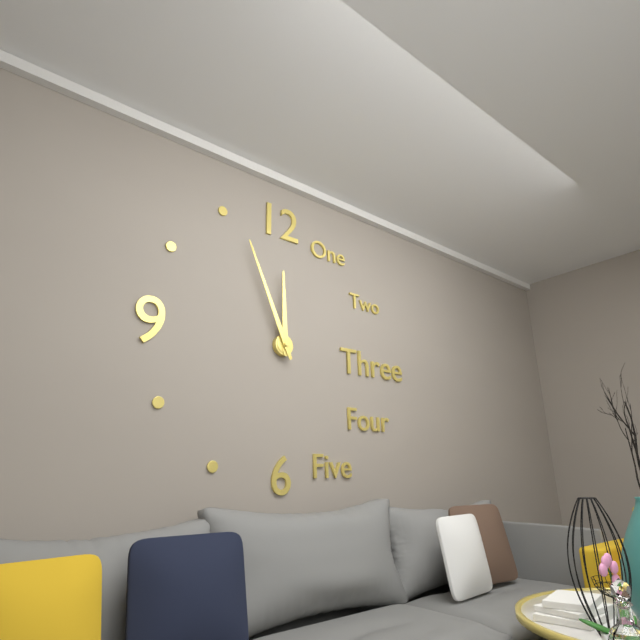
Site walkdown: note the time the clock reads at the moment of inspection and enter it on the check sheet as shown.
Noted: 11:56
